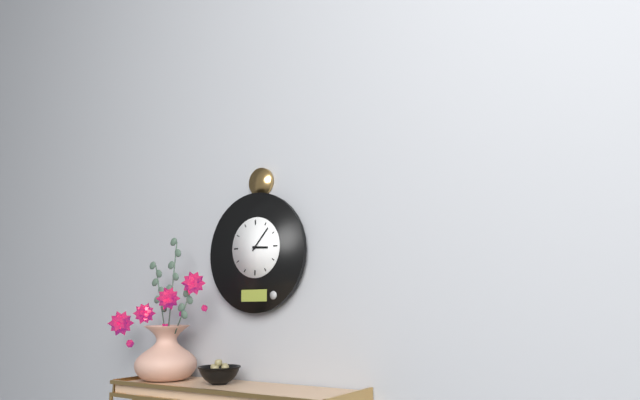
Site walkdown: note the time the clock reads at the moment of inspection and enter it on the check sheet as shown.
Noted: 3:07
